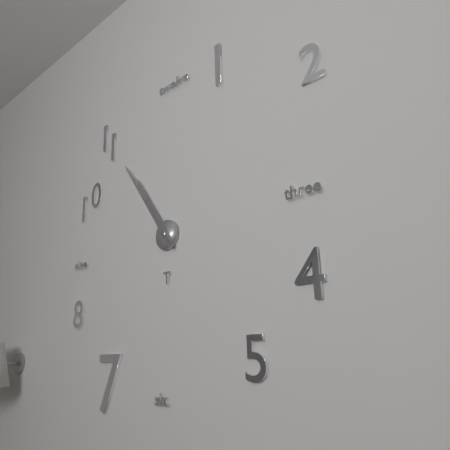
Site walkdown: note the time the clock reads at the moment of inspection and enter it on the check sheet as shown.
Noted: 10:54
